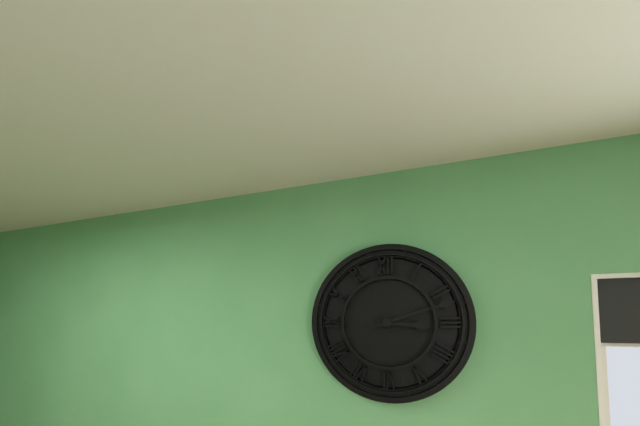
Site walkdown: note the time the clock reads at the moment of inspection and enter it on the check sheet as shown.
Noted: 3:12
